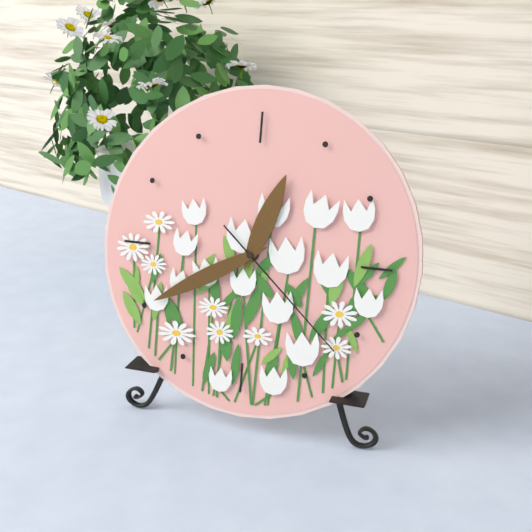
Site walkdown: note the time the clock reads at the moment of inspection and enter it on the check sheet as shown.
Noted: 12:40:22
